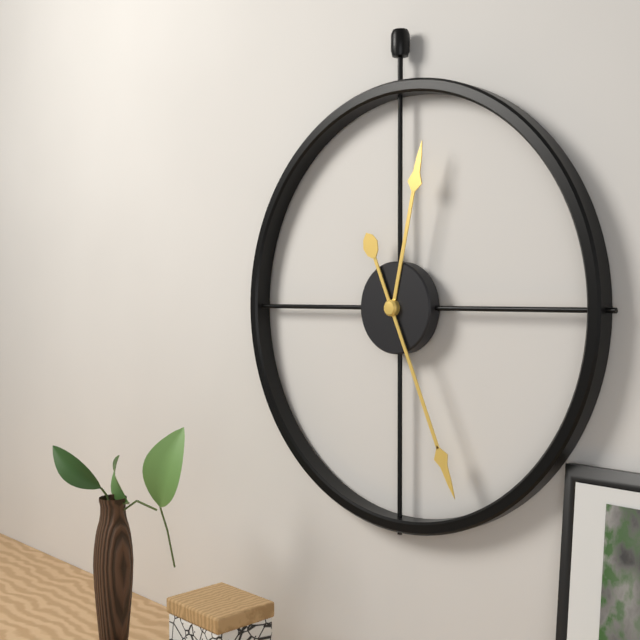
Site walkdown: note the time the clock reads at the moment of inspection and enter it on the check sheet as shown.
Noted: 12:26
